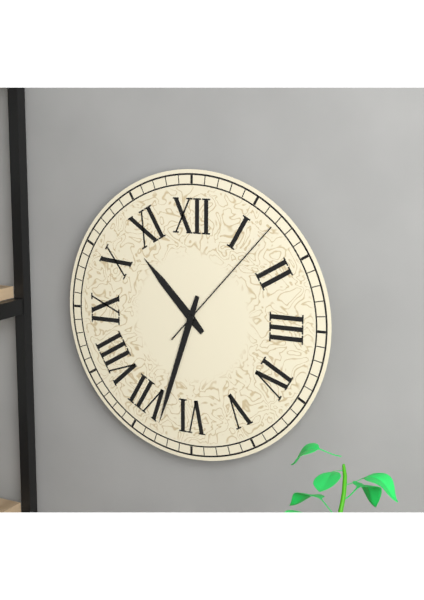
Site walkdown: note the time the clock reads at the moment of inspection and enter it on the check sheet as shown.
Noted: 10:33:07
